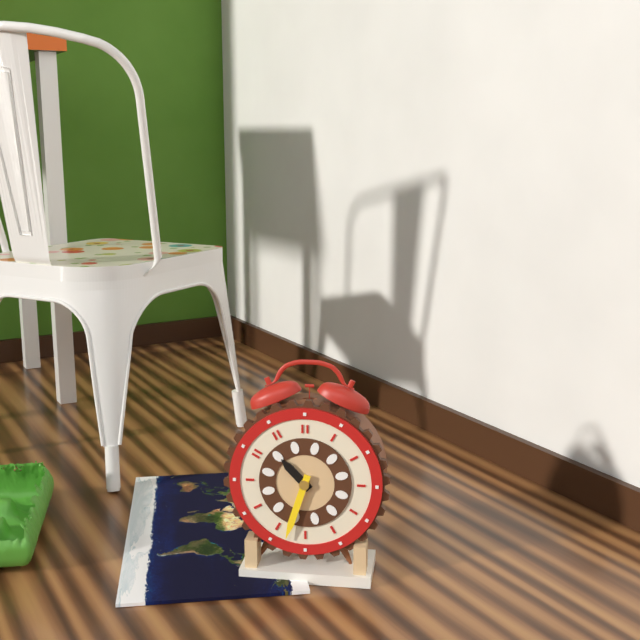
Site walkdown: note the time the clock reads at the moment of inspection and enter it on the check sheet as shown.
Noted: 10:33
